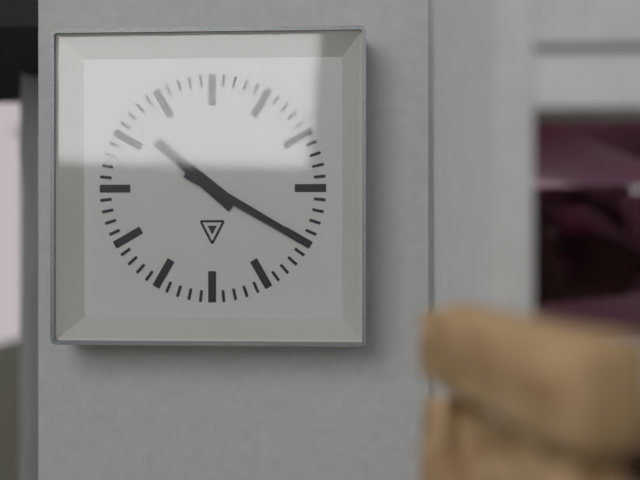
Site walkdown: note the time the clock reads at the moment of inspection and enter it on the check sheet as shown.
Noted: 10:20
